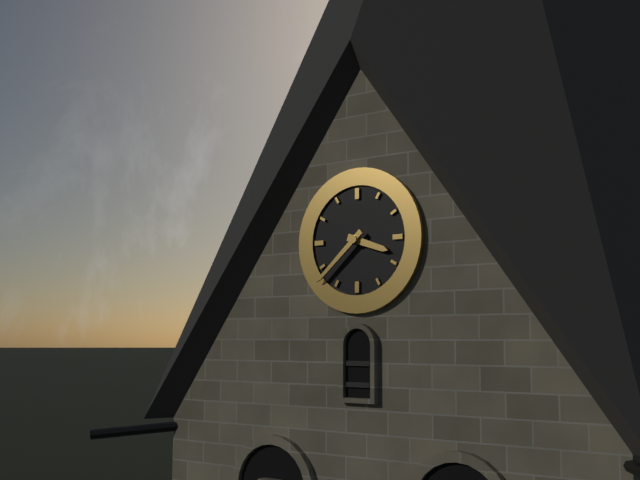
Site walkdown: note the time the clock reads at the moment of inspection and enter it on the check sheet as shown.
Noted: 3:38
